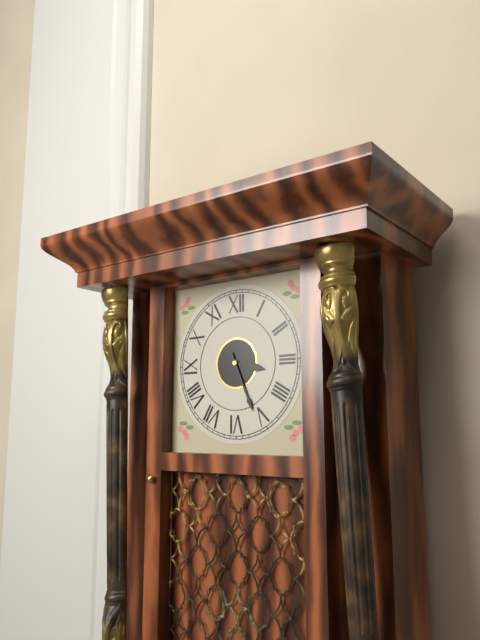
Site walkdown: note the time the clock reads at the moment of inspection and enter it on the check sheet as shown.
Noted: 3:26
